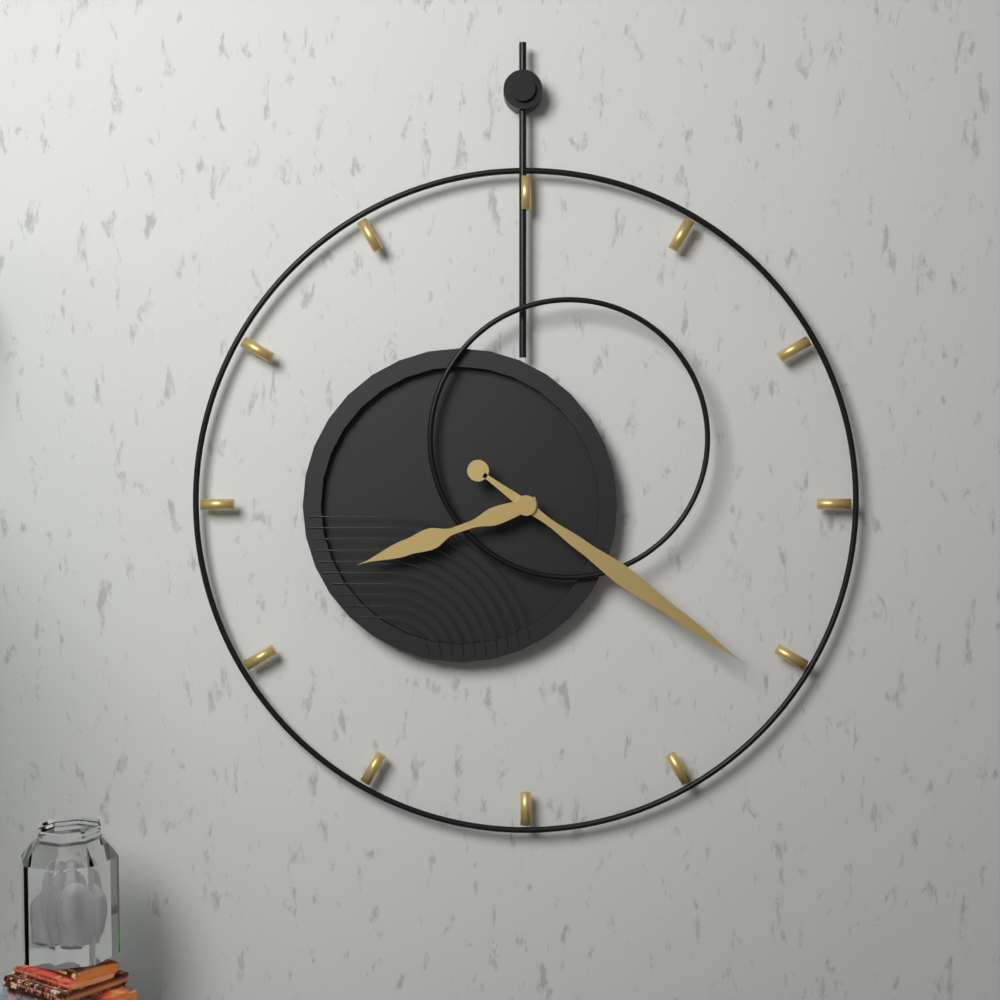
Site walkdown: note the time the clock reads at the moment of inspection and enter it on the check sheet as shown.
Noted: 8:21
